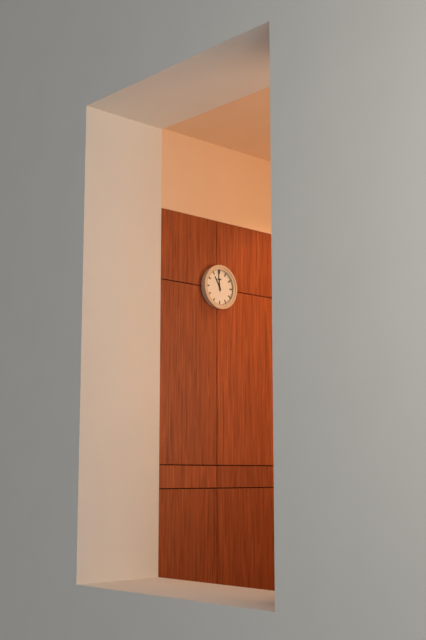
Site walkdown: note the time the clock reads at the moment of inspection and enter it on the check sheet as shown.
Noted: 10:59
